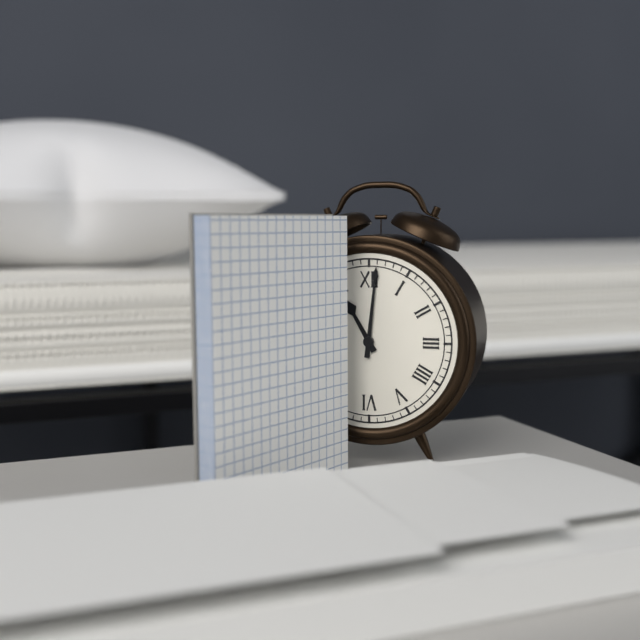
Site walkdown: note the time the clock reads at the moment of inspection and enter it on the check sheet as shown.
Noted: 11:01
